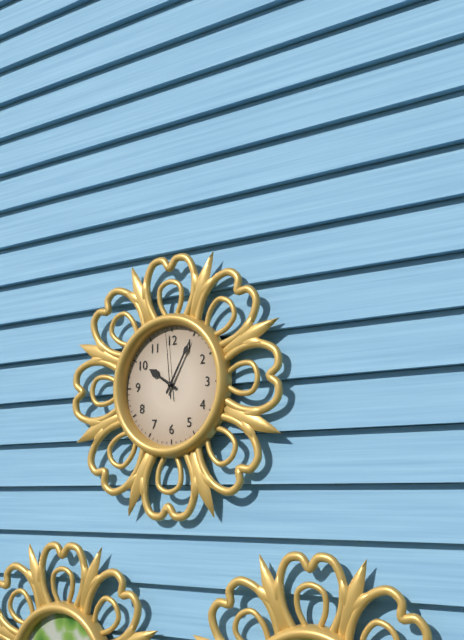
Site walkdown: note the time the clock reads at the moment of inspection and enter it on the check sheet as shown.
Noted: 10:05:59
